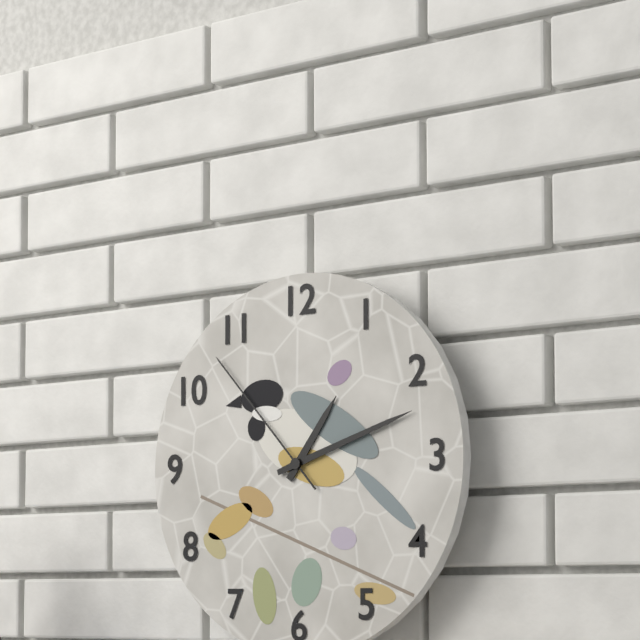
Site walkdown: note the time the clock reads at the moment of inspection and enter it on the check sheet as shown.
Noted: 1:12:53
